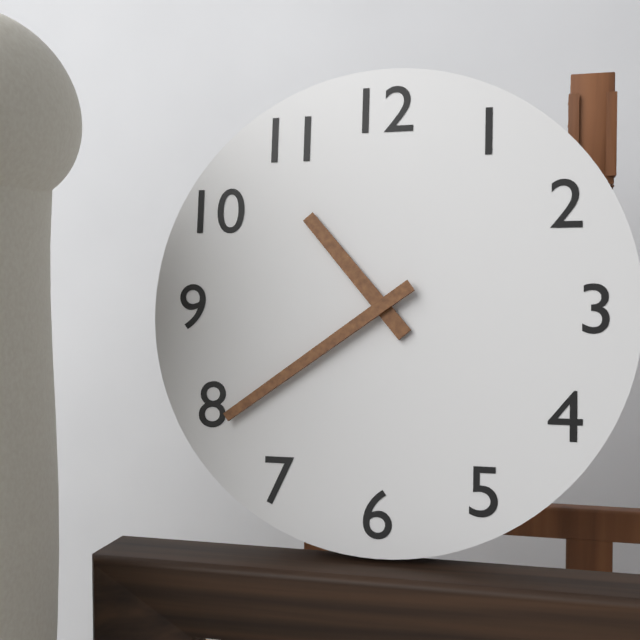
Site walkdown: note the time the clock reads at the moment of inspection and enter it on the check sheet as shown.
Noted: 10:39
